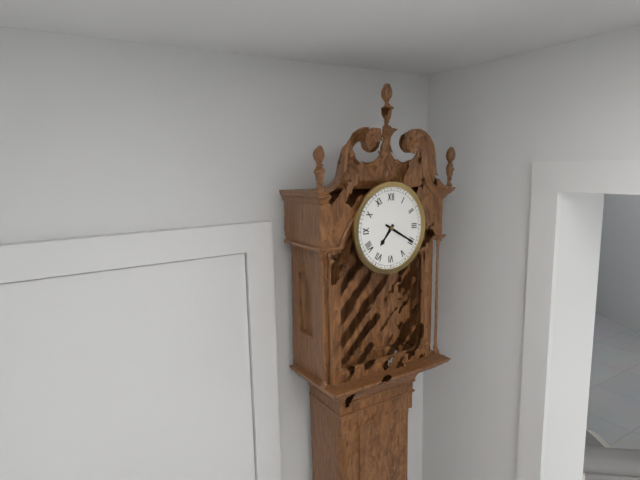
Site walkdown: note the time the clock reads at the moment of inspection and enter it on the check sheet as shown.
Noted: 7:20
